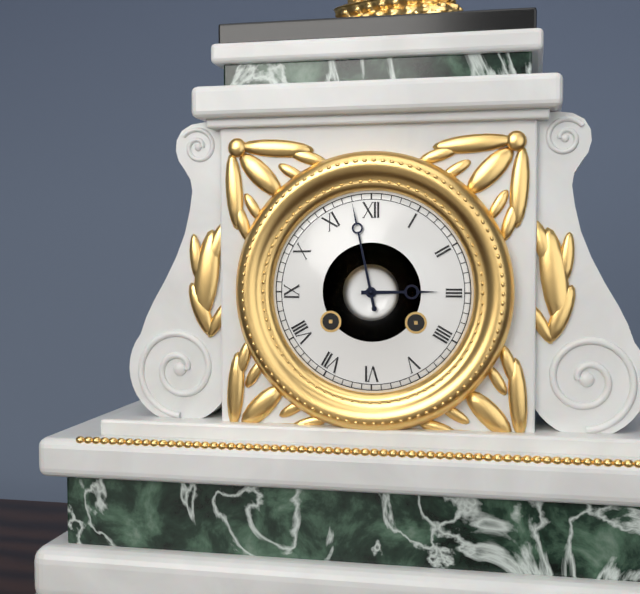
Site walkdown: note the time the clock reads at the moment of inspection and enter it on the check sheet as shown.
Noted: 2:58
